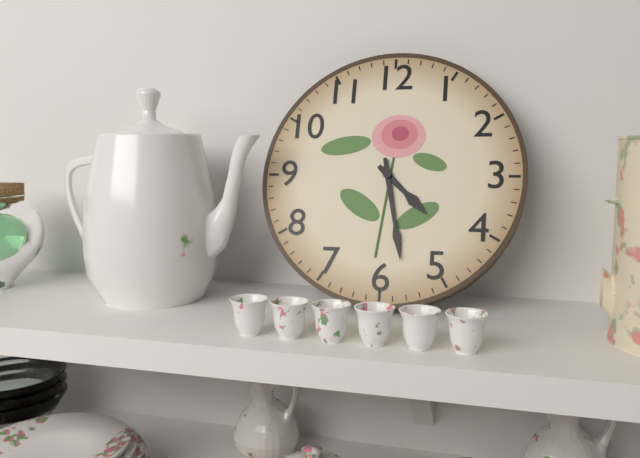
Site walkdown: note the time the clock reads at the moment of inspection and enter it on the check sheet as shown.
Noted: 4:28
